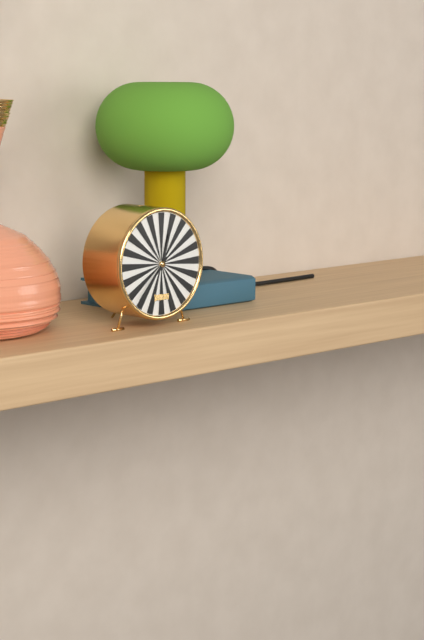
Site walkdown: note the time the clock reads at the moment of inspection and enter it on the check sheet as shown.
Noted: 12:37
